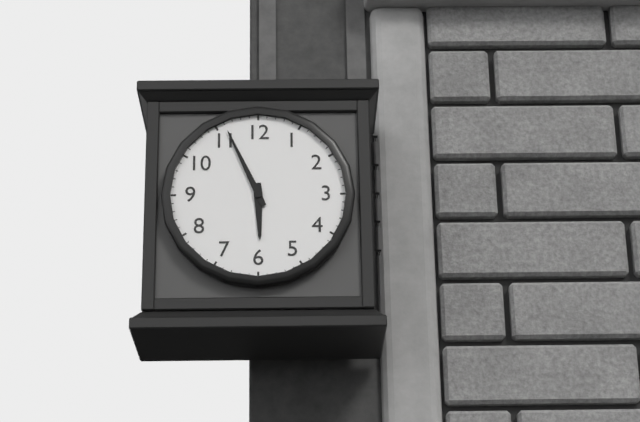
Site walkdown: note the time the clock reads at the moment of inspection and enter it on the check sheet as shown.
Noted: 5:56
